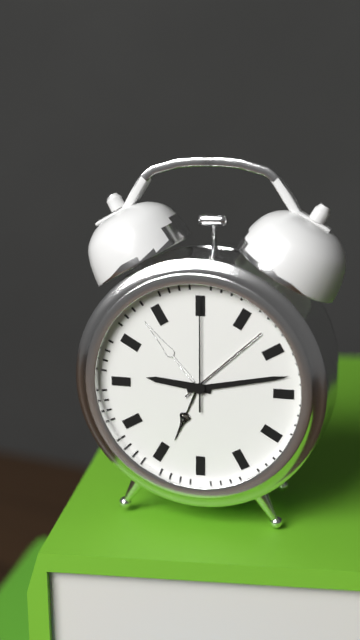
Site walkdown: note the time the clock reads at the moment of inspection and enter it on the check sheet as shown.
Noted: 9:13:00
